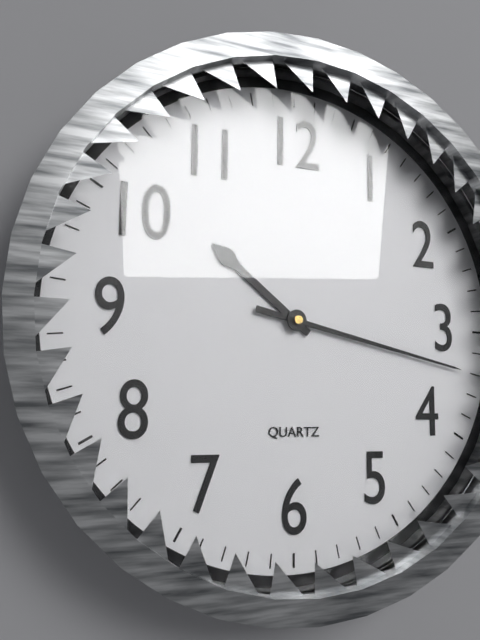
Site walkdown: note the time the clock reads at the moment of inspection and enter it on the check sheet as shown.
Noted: 10:17
